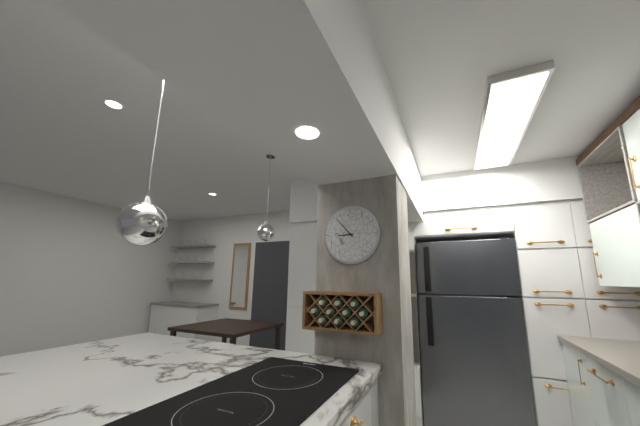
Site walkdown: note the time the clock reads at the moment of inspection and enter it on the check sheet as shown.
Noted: 8:53
